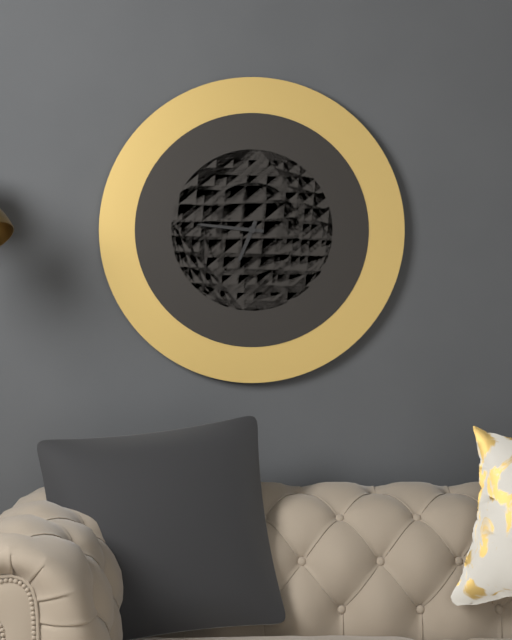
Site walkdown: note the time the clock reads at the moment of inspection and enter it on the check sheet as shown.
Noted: 6:46
